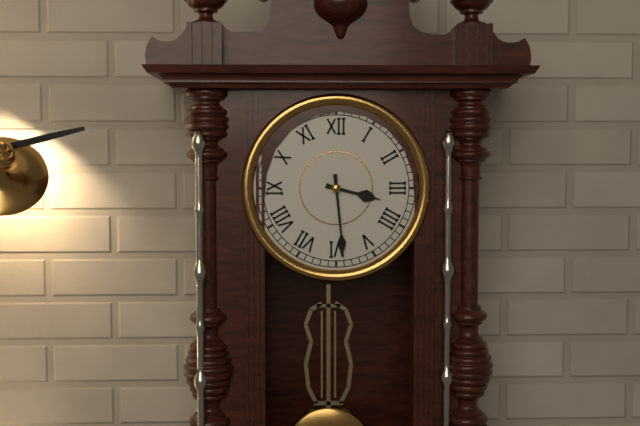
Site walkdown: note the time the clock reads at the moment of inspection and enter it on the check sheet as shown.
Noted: 3:29
